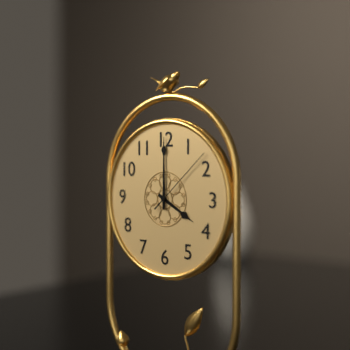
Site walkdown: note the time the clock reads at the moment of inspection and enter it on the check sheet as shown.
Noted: 4:00:08
